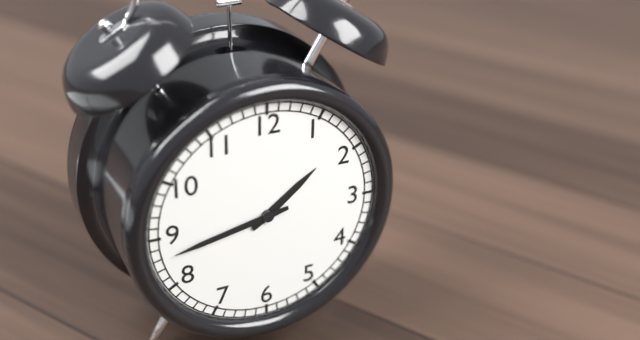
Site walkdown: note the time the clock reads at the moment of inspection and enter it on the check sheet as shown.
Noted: 1:43
